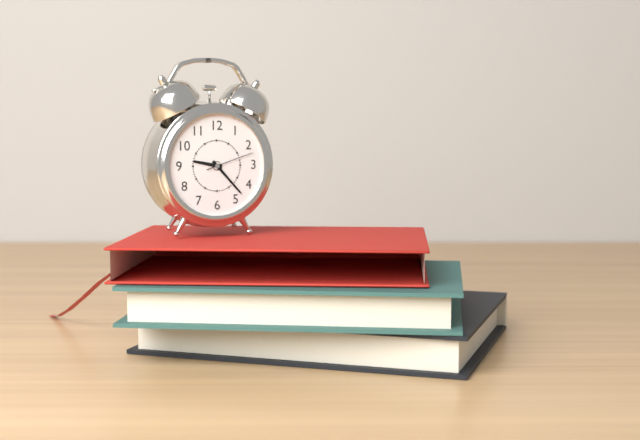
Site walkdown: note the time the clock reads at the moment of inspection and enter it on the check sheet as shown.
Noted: 9:23:12
